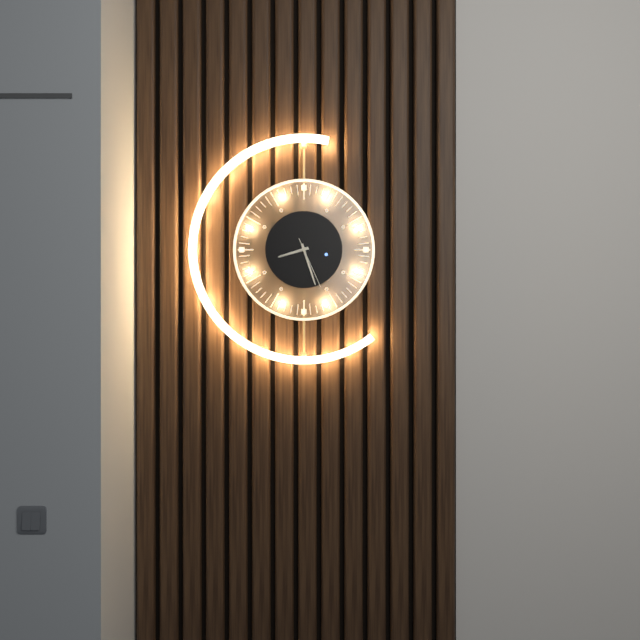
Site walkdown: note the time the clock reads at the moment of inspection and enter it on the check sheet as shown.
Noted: 8:27:26
